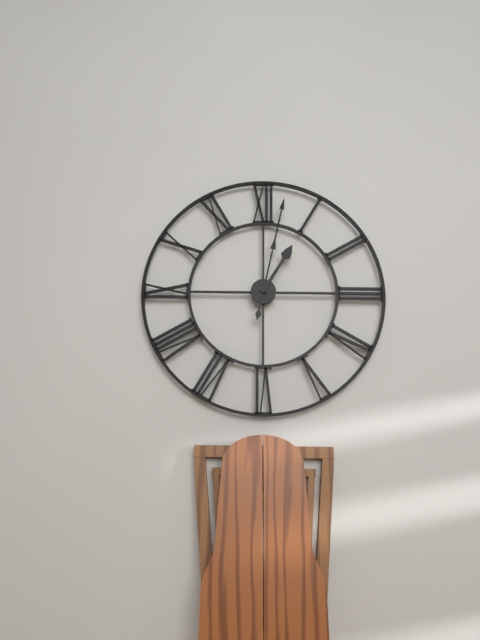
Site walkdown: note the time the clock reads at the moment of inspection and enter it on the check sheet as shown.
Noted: 1:02
